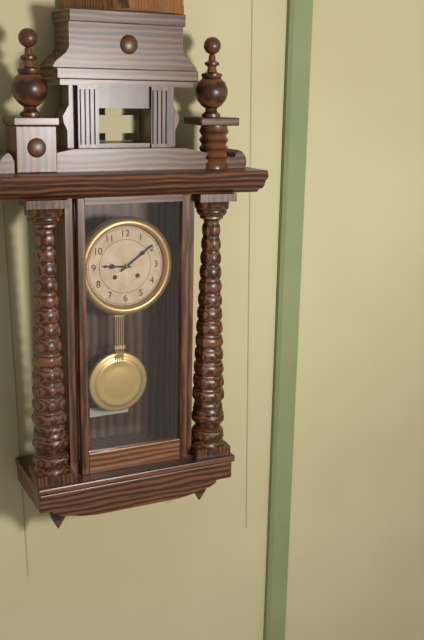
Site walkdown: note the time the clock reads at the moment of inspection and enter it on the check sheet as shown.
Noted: 9:09
